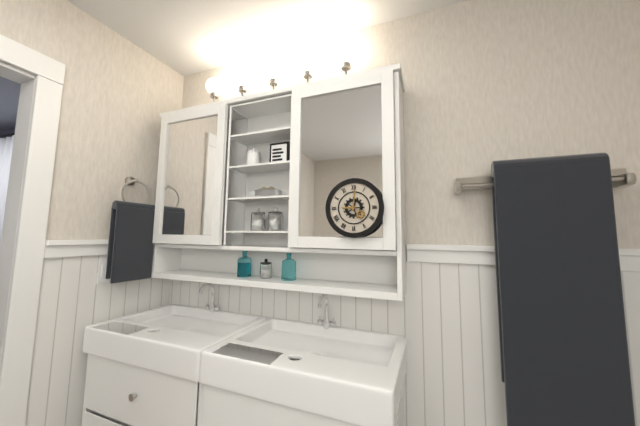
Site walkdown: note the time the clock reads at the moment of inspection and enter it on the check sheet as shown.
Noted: 9:01
